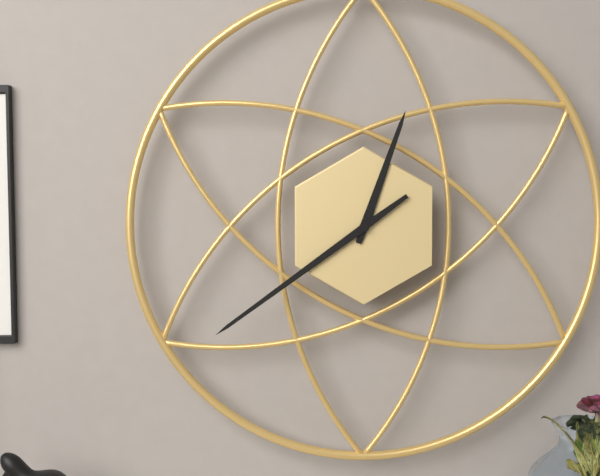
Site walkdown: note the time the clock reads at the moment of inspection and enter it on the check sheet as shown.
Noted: 12:39
